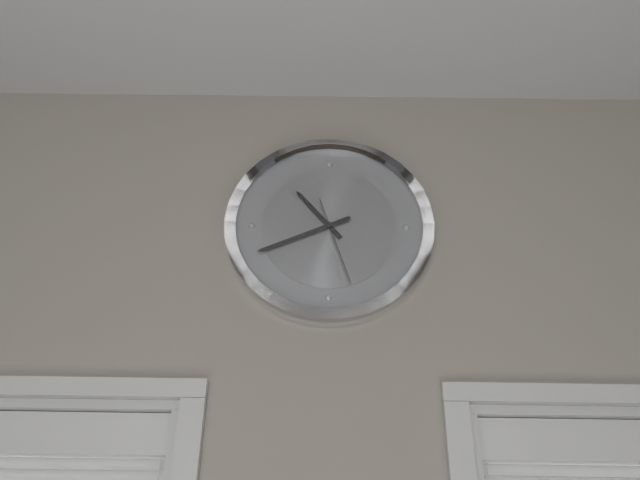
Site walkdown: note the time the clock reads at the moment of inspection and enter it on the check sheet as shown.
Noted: 10:41:27
